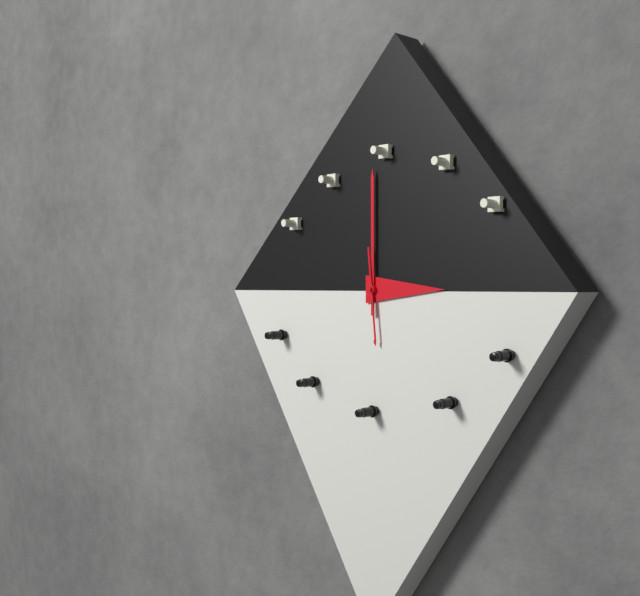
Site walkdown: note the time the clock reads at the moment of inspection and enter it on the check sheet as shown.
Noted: 3:00:29
